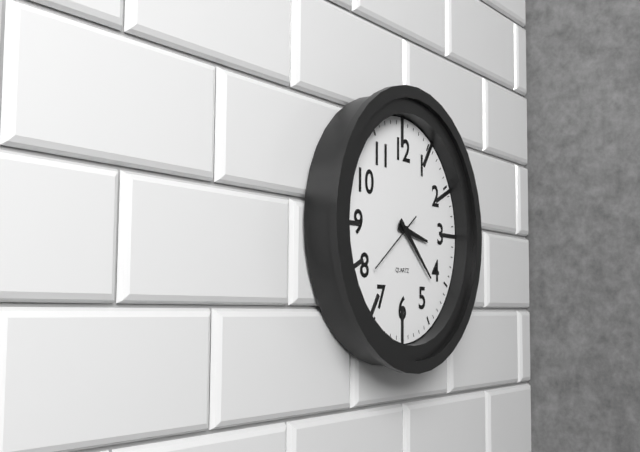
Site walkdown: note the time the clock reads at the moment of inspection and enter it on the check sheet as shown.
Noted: 3:22:39
